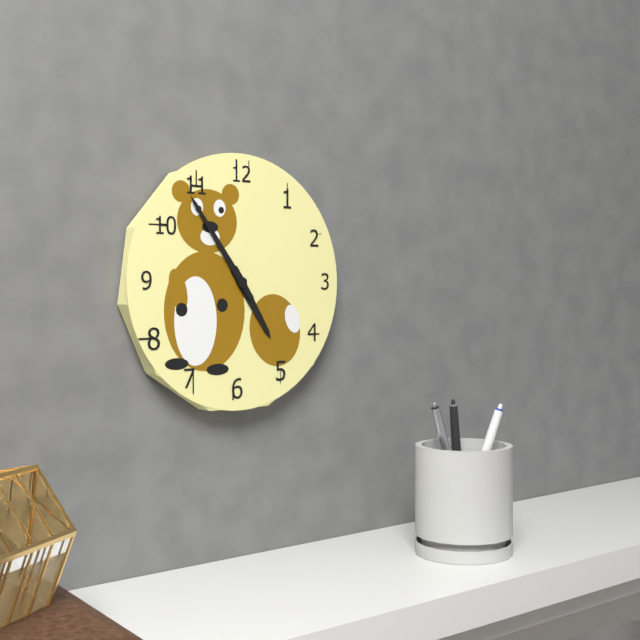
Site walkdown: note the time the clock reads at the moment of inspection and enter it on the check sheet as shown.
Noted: 4:54
